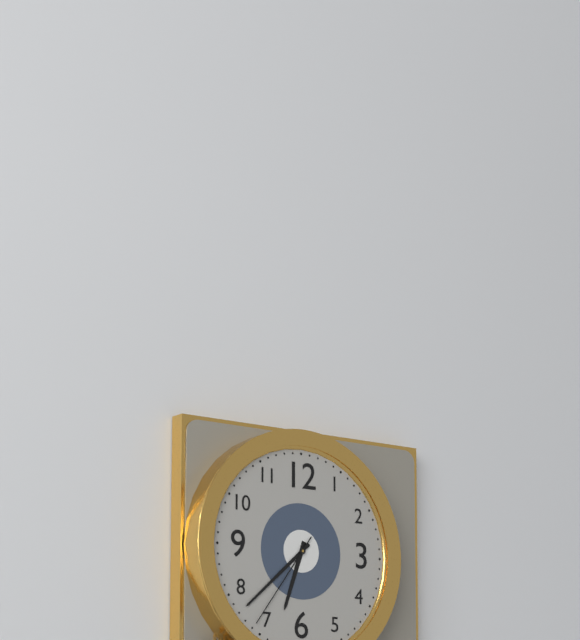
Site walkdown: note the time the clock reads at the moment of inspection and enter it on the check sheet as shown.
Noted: 6:38:36
